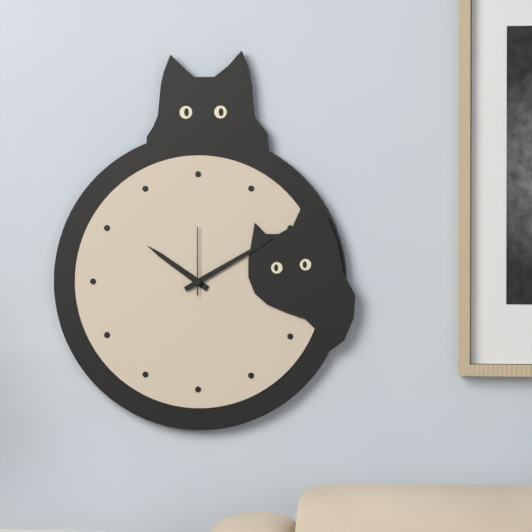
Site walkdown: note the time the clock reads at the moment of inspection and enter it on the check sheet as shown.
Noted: 10:10:00
